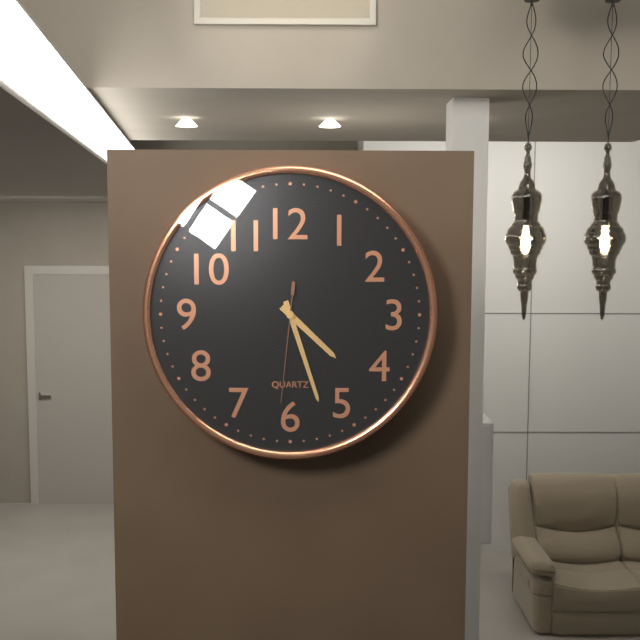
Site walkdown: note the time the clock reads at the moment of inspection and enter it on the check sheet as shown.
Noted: 4:27:31
